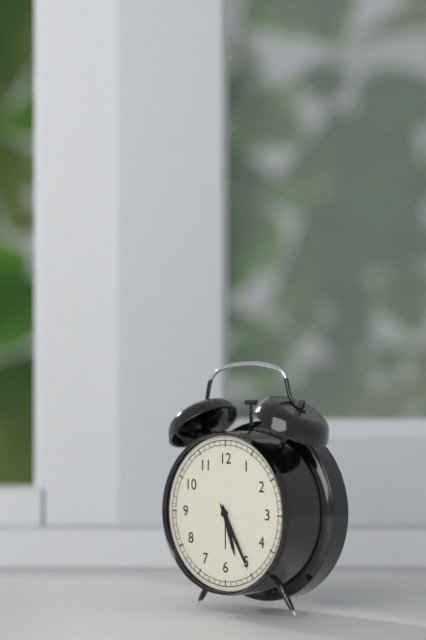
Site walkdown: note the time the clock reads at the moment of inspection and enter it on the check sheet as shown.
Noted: 5:25
